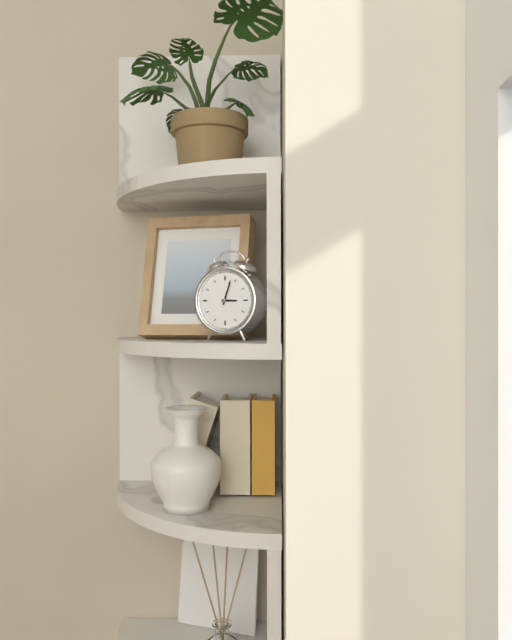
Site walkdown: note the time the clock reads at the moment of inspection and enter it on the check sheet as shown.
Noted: 3:03
